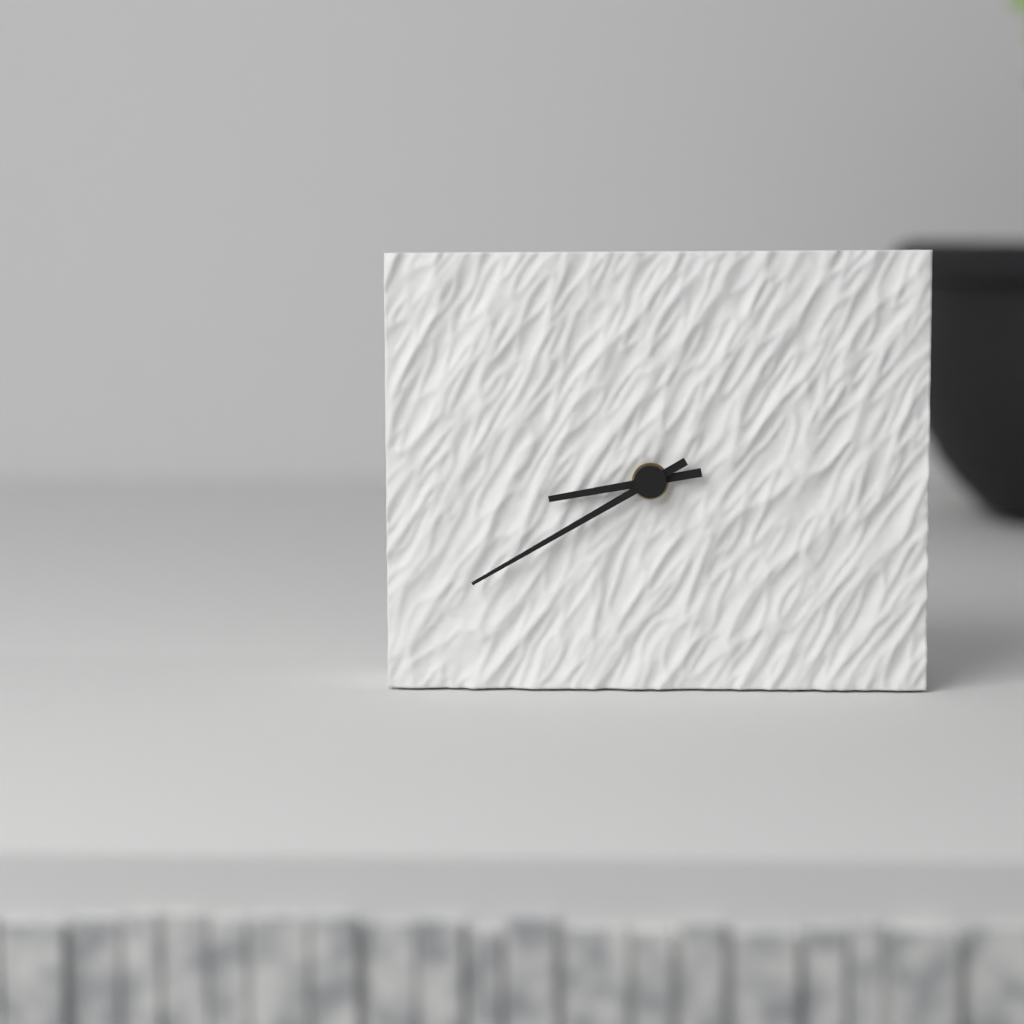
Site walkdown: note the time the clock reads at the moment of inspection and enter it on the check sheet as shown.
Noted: 8:40
